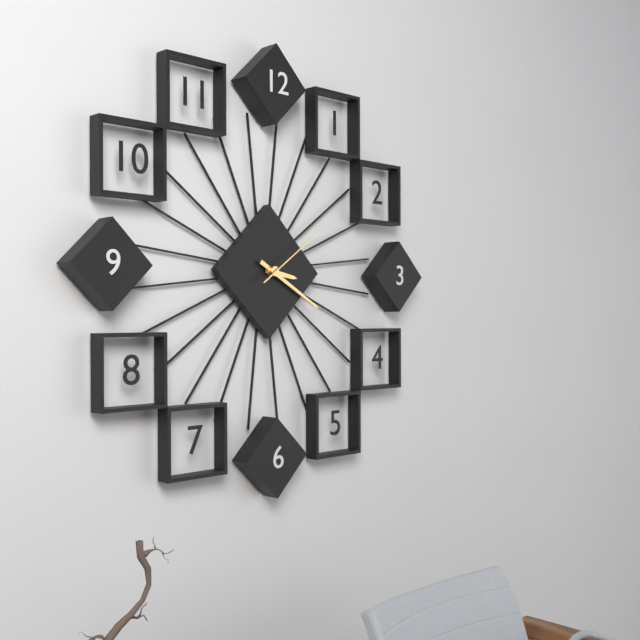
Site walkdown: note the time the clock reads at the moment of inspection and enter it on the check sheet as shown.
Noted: 3:20:09
